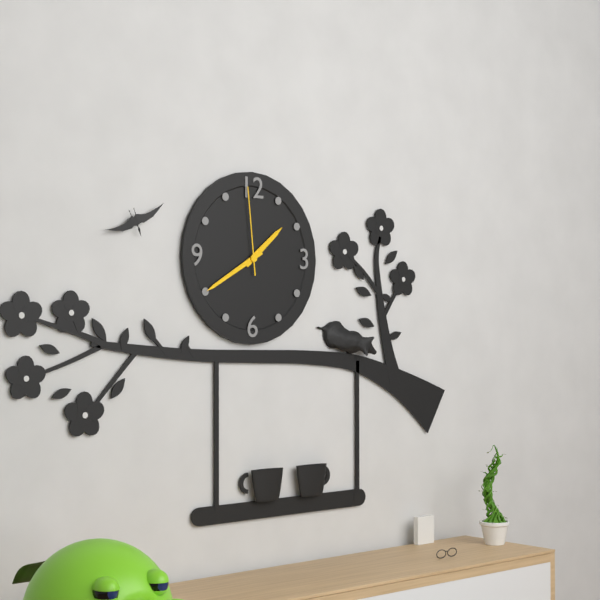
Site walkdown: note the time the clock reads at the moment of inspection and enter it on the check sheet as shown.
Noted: 1:40:59
